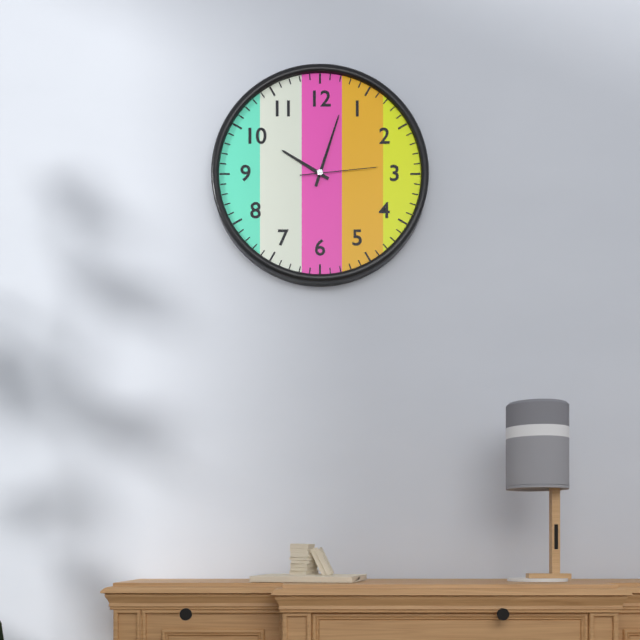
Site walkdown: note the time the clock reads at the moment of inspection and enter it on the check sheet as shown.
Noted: 10:03:14
